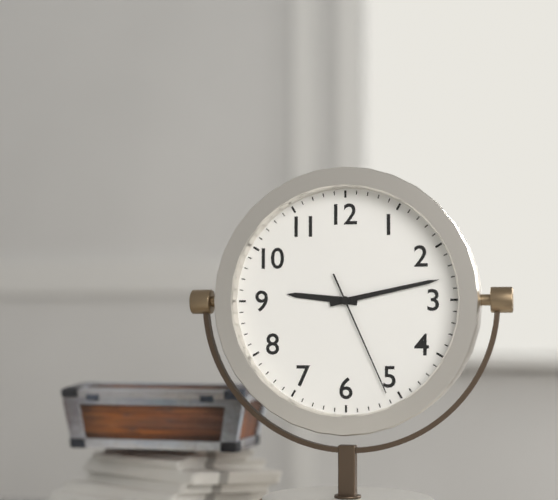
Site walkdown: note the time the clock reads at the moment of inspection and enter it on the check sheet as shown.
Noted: 9:13:26
